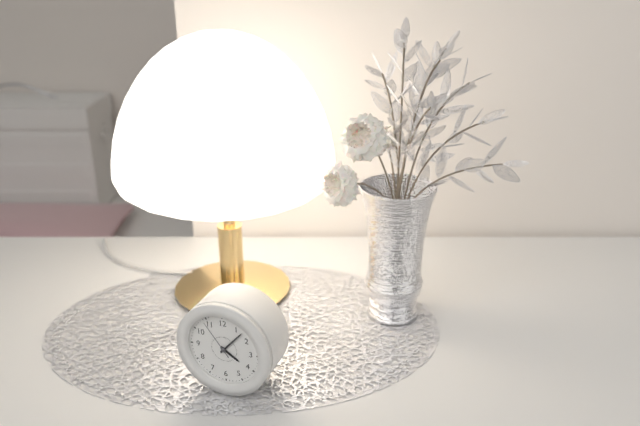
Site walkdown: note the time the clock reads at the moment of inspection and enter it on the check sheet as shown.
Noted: 4:07
